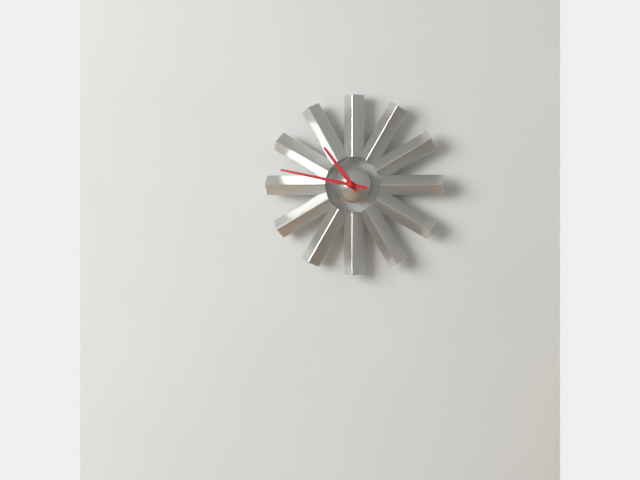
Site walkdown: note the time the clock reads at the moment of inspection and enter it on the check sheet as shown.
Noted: 10:47
